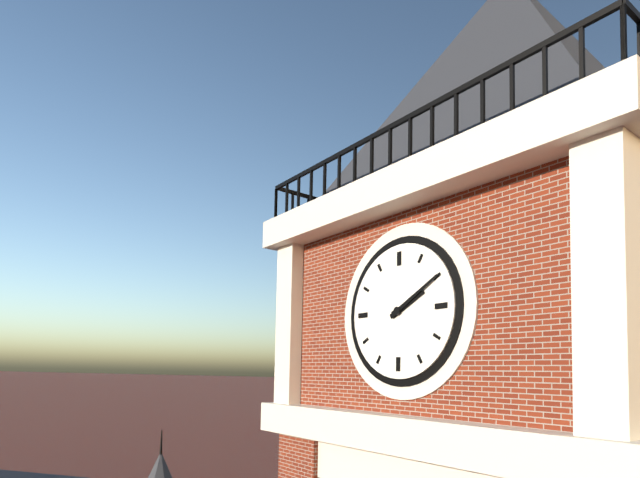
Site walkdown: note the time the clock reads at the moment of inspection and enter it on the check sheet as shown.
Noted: 2:10
